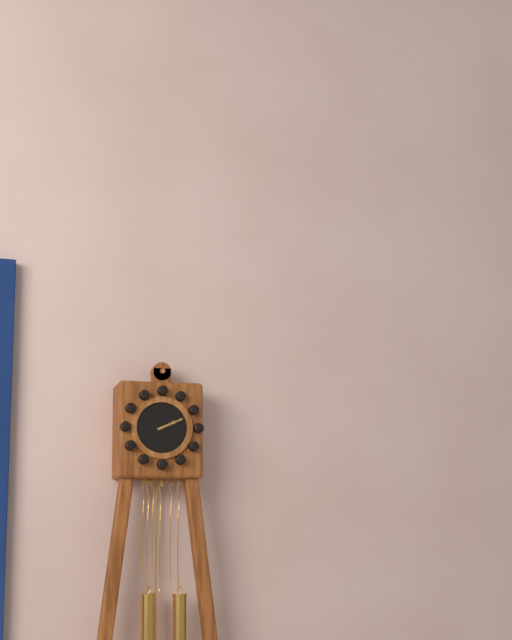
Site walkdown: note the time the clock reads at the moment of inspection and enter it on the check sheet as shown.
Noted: 2:11
